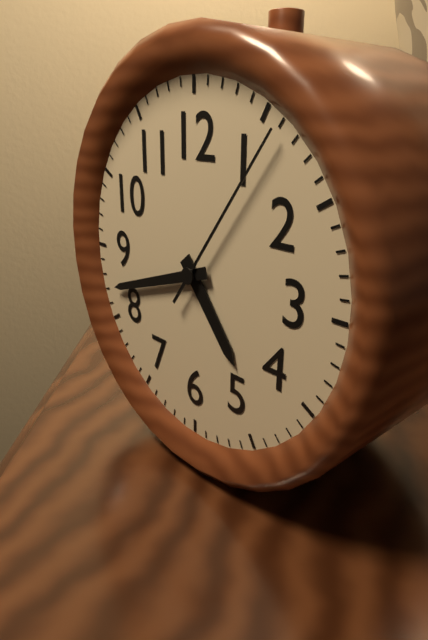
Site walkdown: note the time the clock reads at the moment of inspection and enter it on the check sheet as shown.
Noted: 4:42:06
